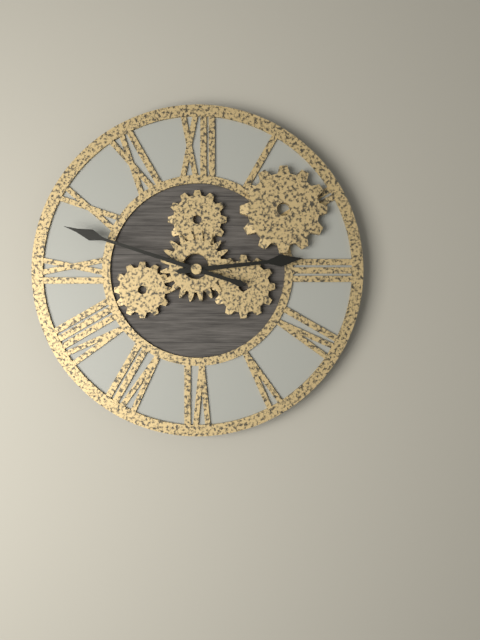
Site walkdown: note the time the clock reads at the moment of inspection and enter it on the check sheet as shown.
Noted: 2:48
